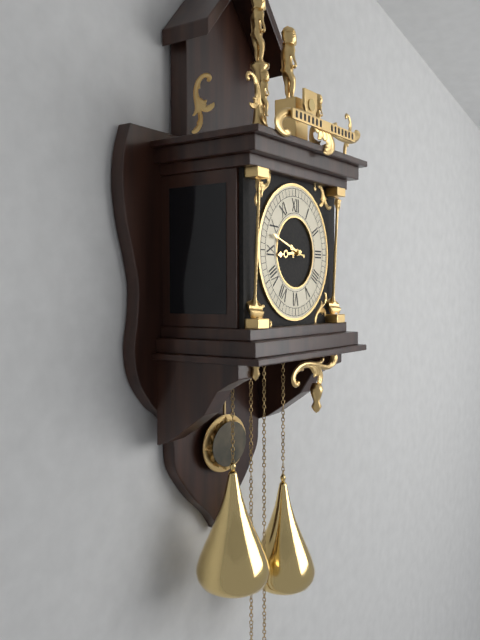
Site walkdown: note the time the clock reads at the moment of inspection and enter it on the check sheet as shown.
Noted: 8:48
